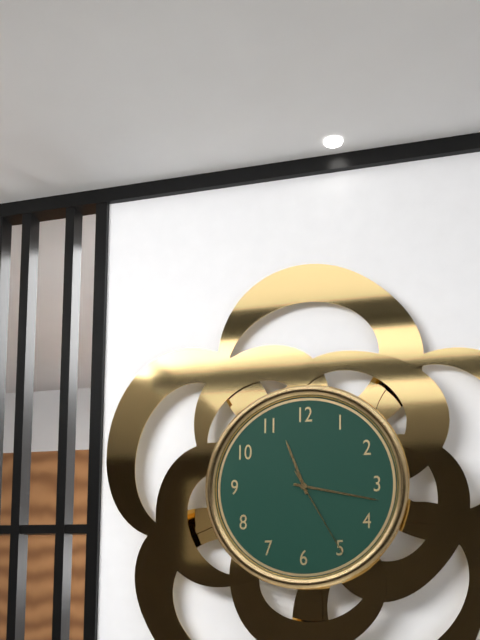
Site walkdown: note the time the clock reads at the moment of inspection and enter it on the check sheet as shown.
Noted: 11:17:25
